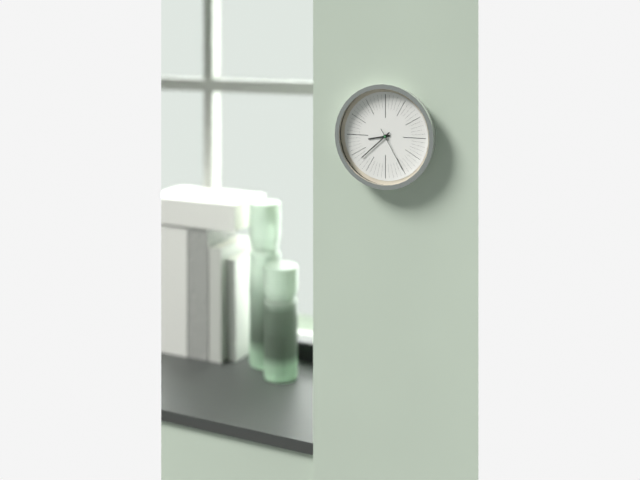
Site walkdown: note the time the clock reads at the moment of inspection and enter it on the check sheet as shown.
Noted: 8:38
